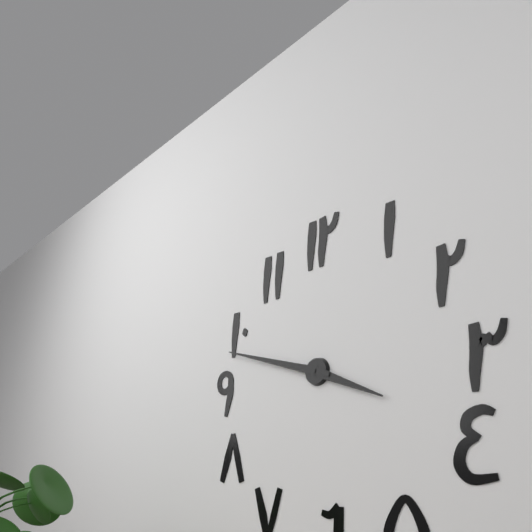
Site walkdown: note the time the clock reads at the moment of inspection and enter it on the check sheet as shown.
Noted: 3:48
